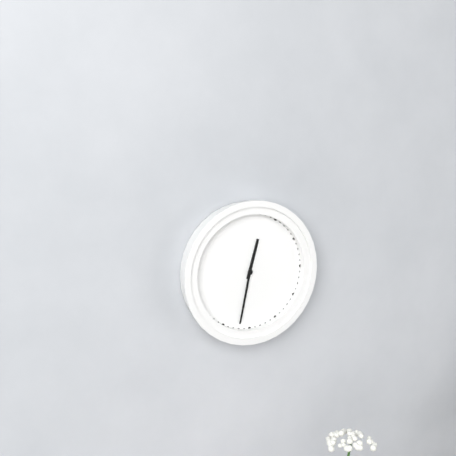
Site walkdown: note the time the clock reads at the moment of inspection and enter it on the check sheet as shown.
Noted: 12:32
